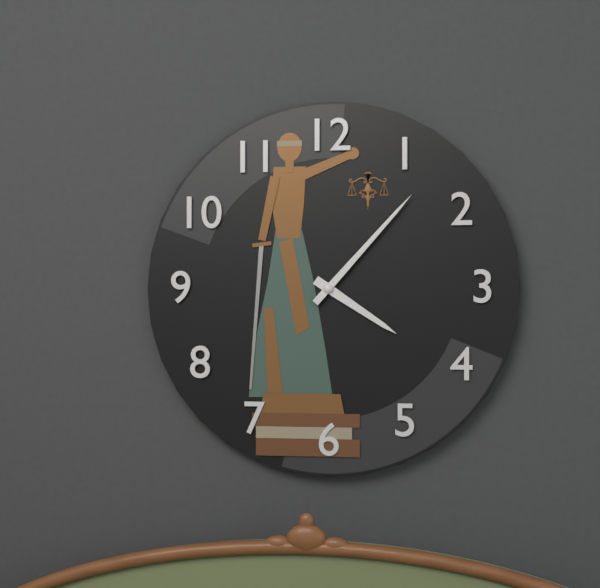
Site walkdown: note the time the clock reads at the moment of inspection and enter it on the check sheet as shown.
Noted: 4:07
